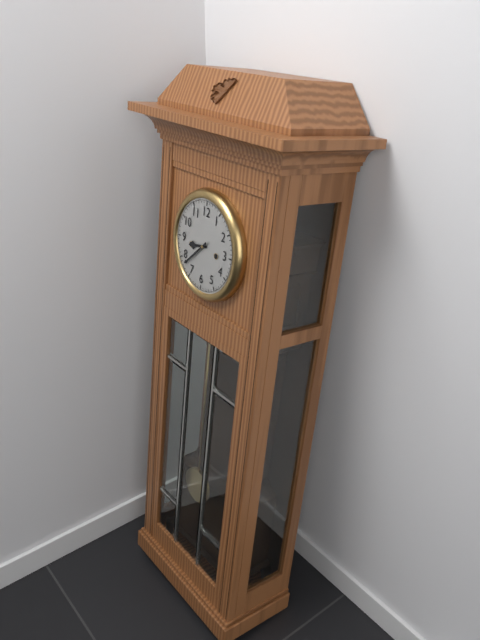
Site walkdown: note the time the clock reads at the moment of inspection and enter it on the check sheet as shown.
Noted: 8:38
